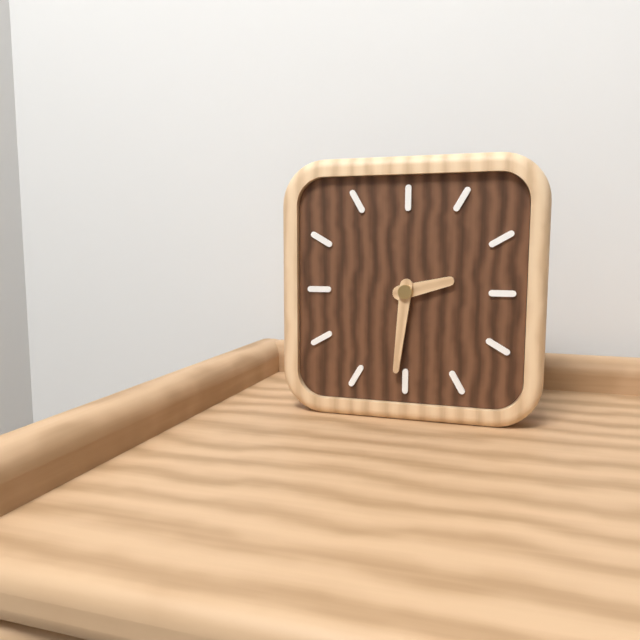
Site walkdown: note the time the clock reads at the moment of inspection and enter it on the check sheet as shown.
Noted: 2:31
